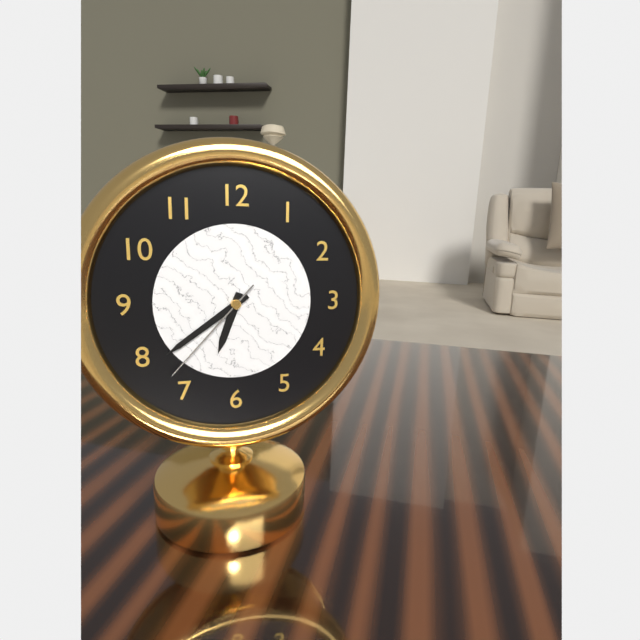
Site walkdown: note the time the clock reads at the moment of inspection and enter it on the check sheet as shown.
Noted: 6:39:37
